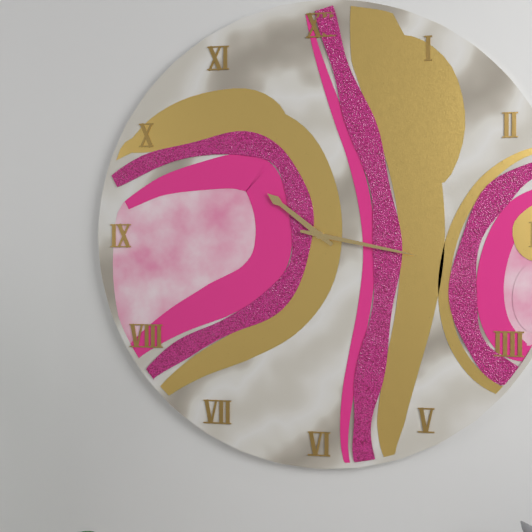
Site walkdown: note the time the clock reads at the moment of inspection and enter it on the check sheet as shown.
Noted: 10:17
